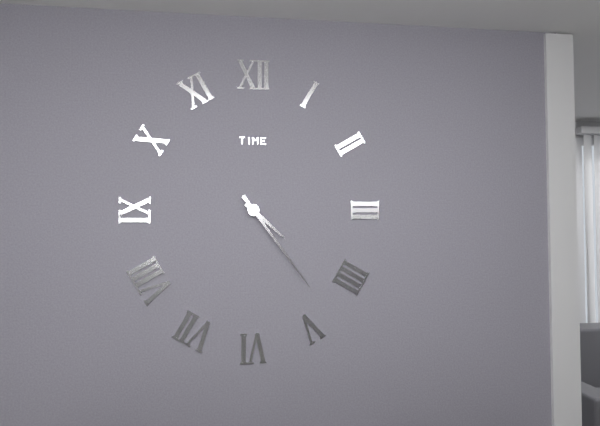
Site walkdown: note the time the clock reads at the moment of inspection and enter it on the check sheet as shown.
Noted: 4:24
